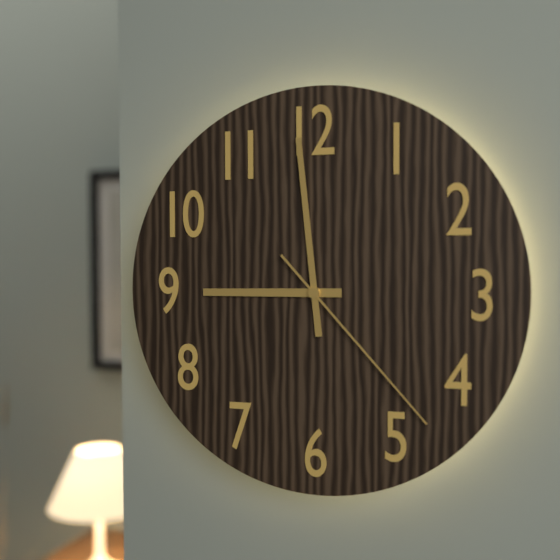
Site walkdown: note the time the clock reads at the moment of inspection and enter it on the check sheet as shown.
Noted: 8:59:23
